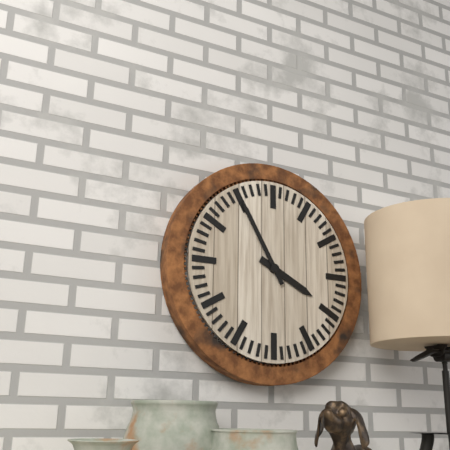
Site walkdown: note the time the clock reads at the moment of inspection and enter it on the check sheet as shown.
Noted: 3:55
